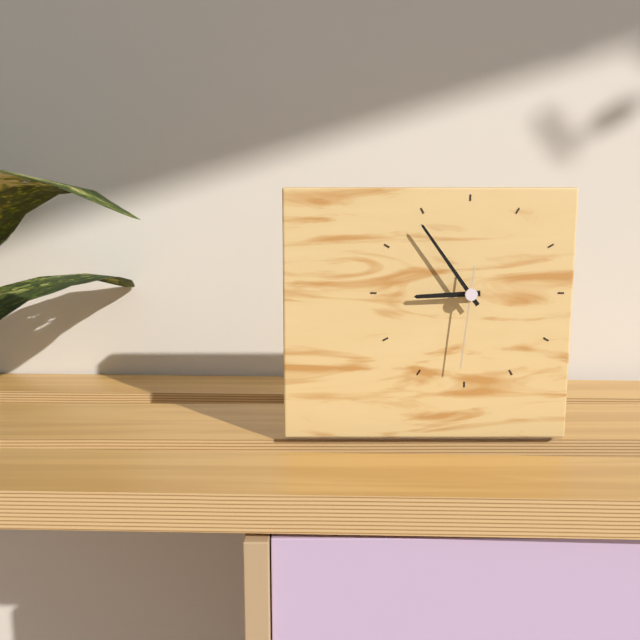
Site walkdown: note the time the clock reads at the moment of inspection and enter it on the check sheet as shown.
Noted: 8:54:31
